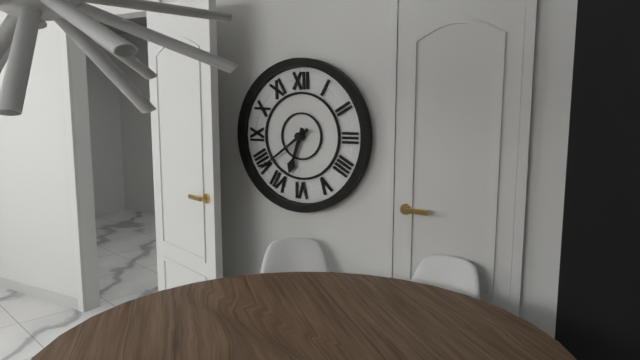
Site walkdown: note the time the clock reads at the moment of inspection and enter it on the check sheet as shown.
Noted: 6:39
